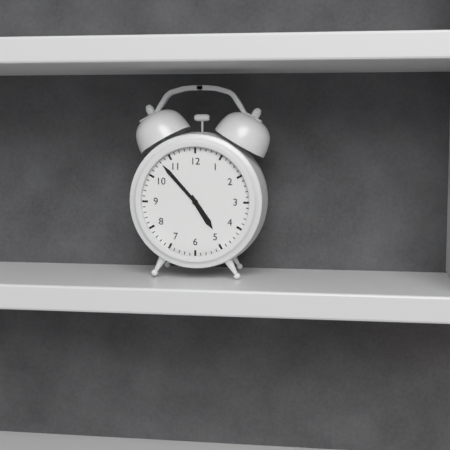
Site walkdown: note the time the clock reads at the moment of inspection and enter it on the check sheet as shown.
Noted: 4:53
